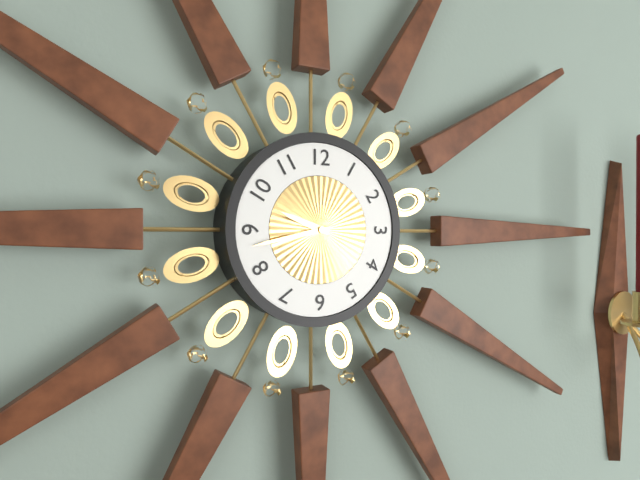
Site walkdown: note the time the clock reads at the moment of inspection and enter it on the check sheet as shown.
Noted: 9:43
